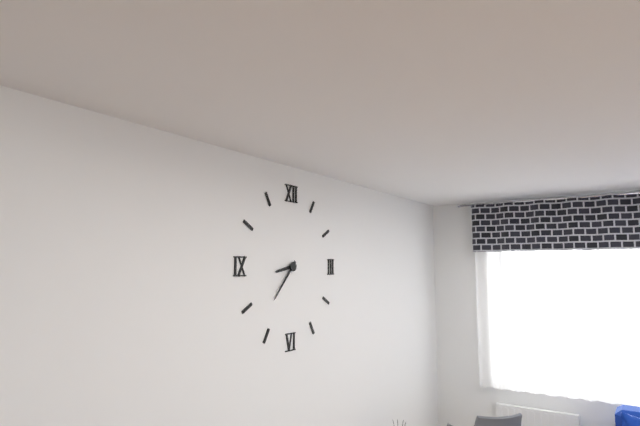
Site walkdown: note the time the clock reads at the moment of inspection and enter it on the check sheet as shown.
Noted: 8:37
